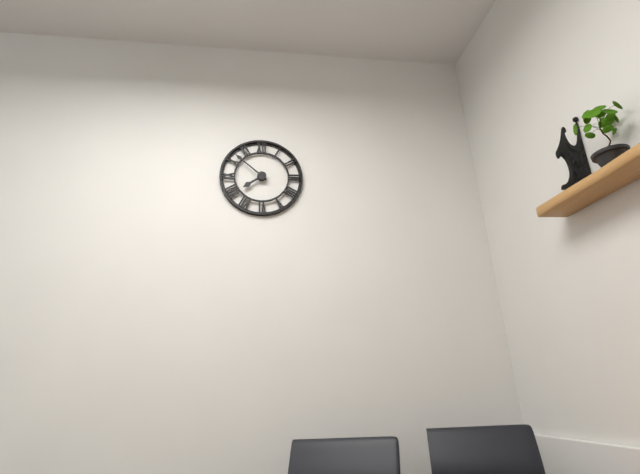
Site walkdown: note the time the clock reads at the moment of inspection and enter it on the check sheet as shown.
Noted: 7:52
